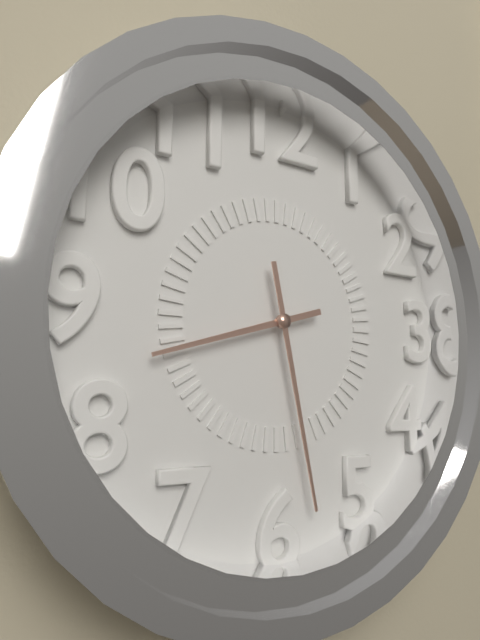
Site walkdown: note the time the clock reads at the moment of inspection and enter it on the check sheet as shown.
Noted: 8:28
